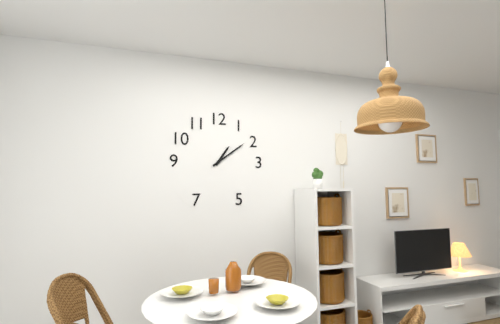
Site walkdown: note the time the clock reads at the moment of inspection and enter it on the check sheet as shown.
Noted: 1:09
